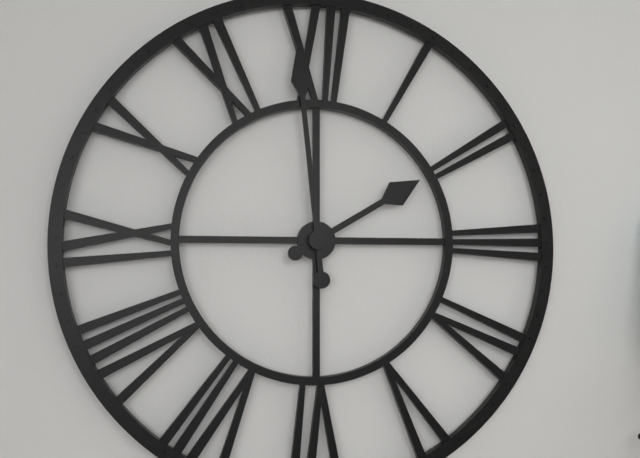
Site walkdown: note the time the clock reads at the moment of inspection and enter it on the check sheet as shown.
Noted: 1:59
